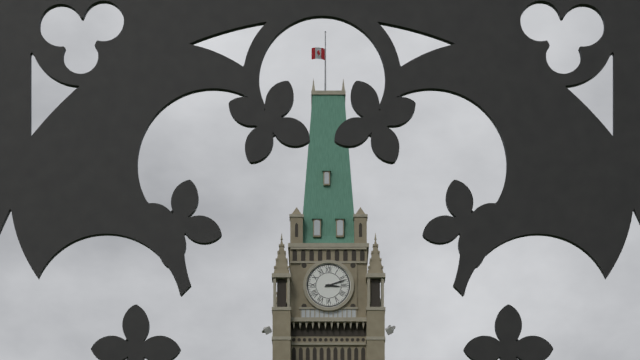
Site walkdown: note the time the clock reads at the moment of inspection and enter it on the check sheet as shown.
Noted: 3:12
